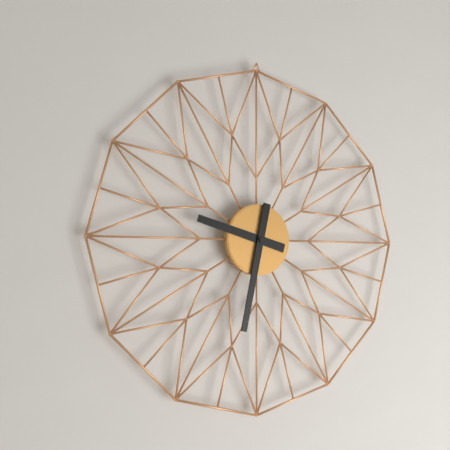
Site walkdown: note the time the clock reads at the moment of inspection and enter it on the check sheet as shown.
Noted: 9:32
